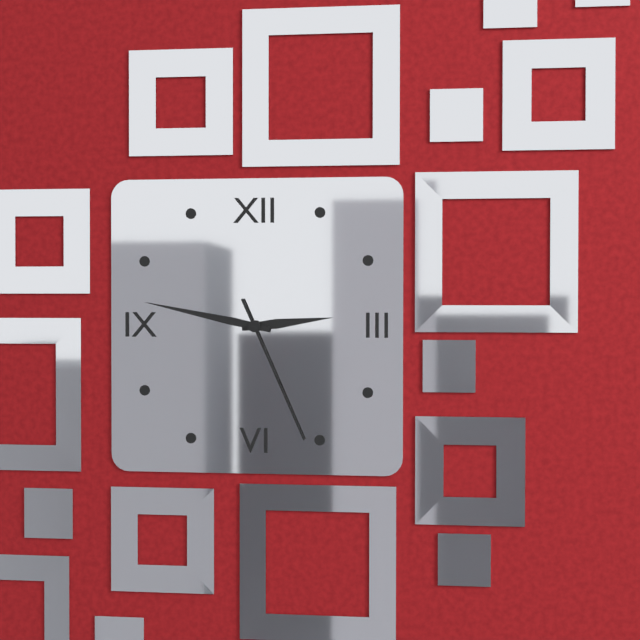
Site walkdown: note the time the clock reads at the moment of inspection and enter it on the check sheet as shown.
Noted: 2:47:26
